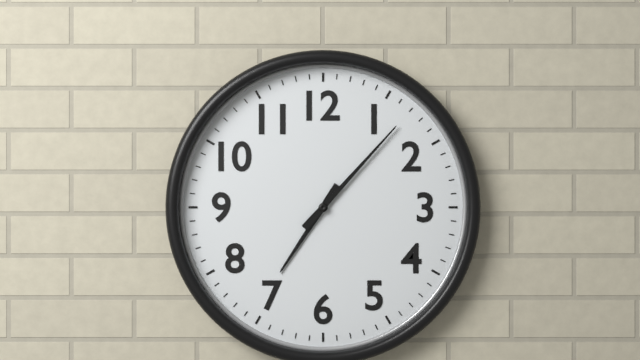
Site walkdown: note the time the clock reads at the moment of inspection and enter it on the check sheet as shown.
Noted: 7:07
